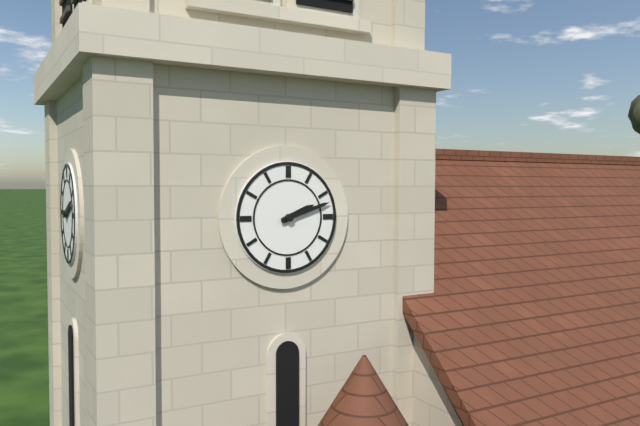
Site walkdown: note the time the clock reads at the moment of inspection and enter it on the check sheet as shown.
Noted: 2:12
